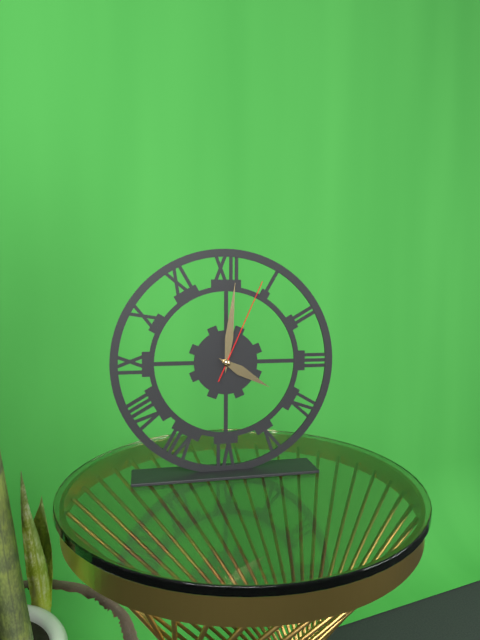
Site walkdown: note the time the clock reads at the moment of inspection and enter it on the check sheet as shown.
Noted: 4:01:04
